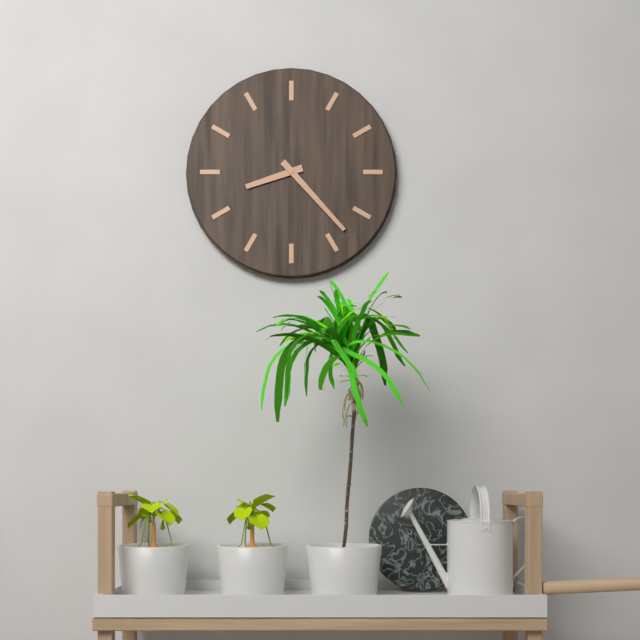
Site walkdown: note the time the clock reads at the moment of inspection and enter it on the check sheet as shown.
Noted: 8:23
